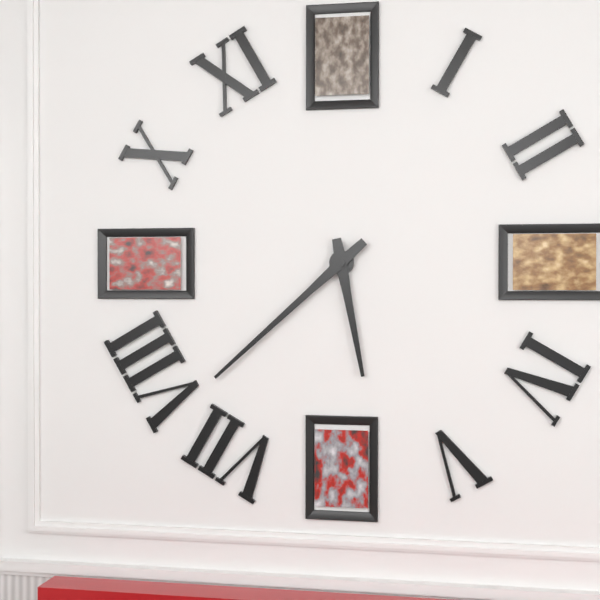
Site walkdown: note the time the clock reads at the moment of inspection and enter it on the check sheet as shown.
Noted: 5:38
